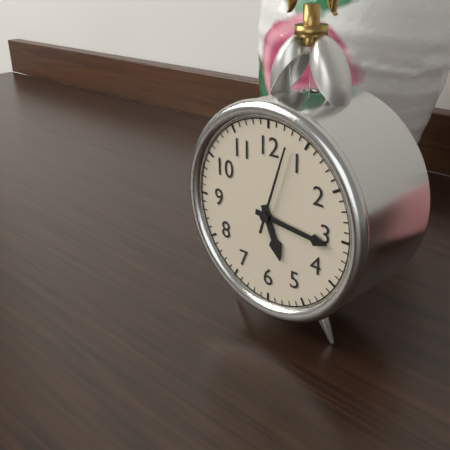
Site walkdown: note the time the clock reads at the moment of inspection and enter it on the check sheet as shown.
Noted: 5:16:03
